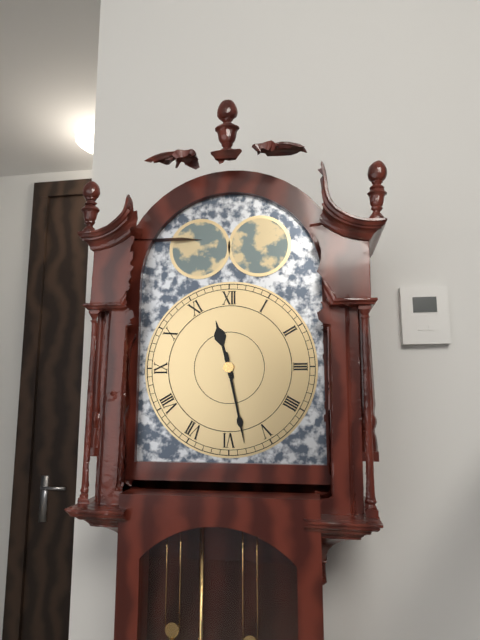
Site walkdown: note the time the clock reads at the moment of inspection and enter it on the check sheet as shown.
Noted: 11:28
